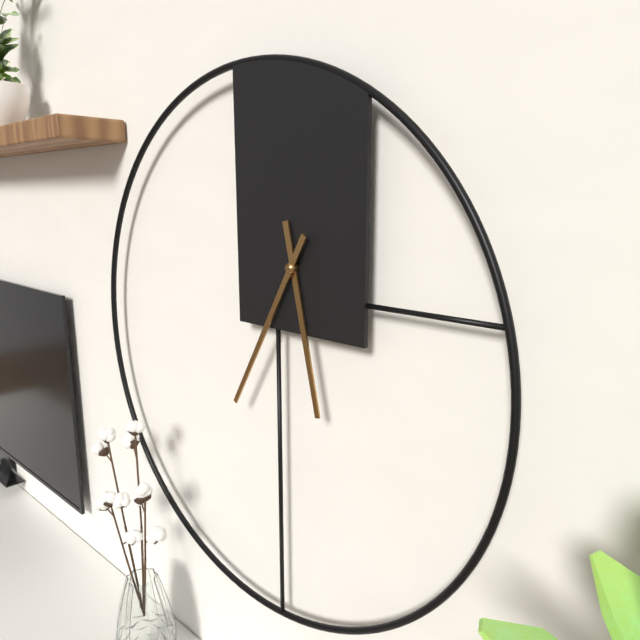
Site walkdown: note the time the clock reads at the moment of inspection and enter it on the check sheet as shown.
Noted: 5:35
